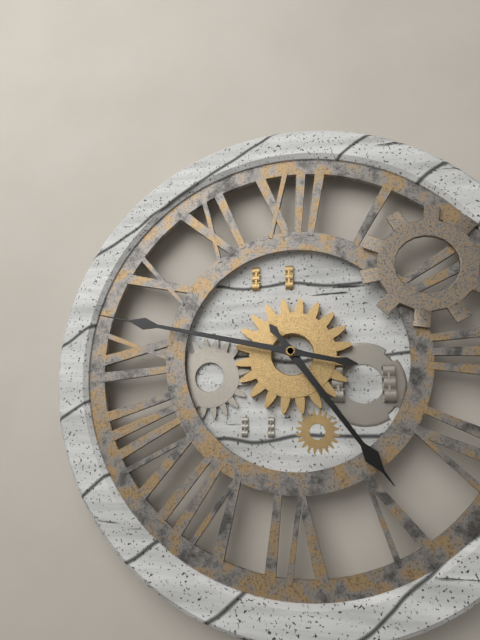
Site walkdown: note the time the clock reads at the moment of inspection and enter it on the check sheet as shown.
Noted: 4:47
